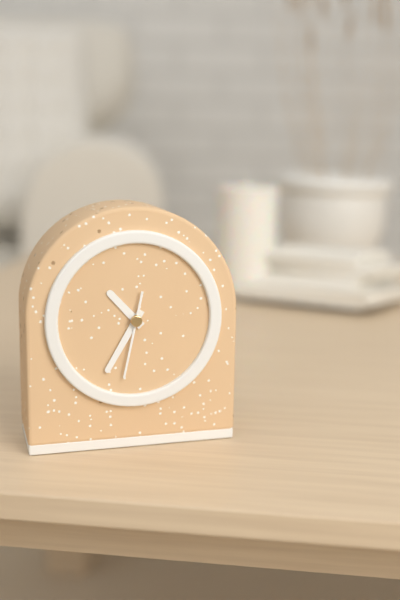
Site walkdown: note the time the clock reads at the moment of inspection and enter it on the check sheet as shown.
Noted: 10:35:32
